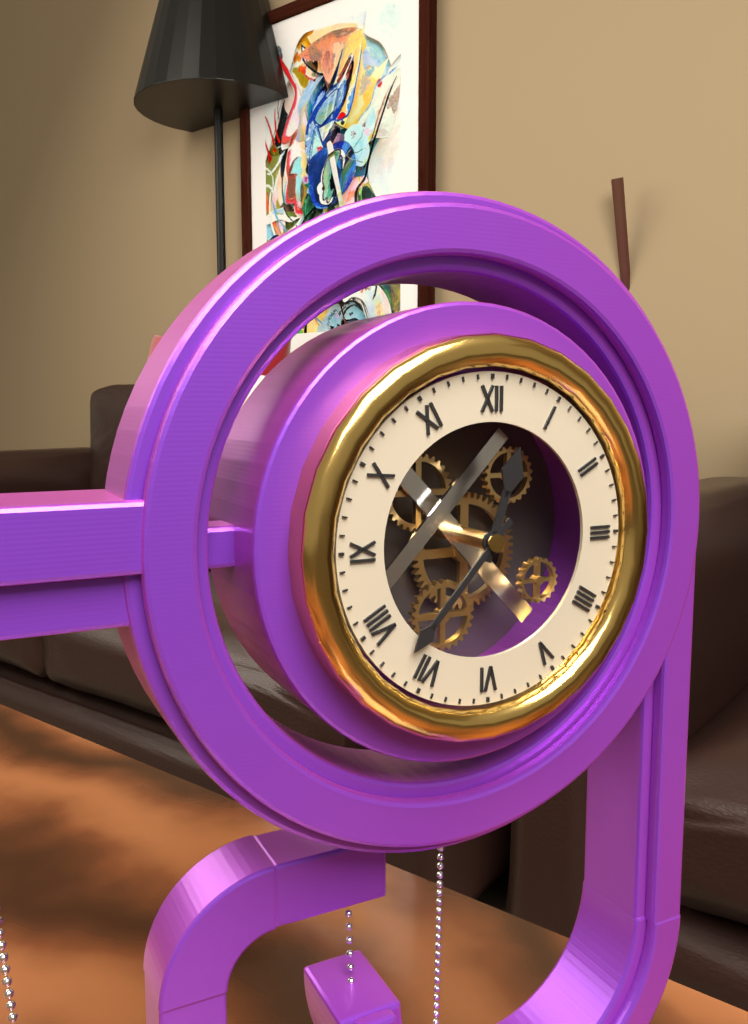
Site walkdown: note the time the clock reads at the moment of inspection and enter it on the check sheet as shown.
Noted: 12:37
